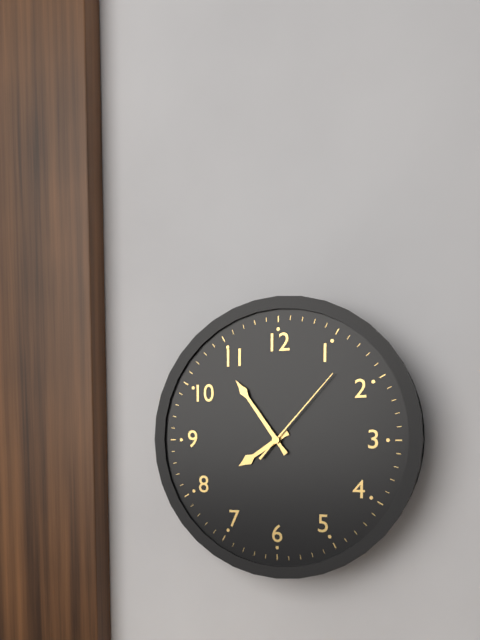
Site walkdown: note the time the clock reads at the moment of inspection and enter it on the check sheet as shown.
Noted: 7:54:07
